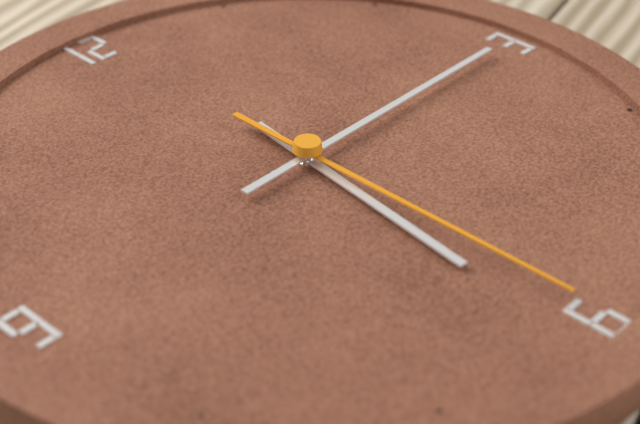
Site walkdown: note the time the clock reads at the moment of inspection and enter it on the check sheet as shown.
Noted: 6:15:30
